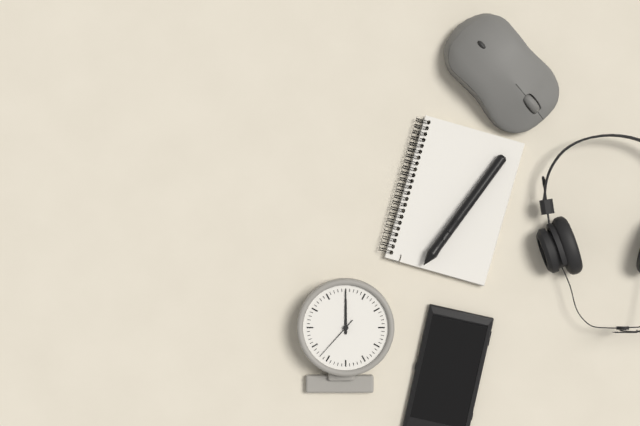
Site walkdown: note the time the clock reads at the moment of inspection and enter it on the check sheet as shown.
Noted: 12:00
